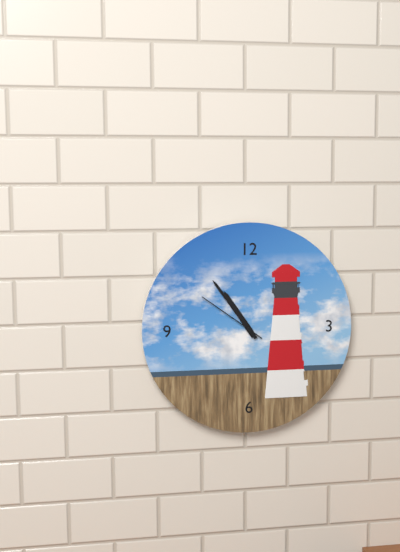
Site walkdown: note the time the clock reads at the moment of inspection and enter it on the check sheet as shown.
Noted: 10:54:51
